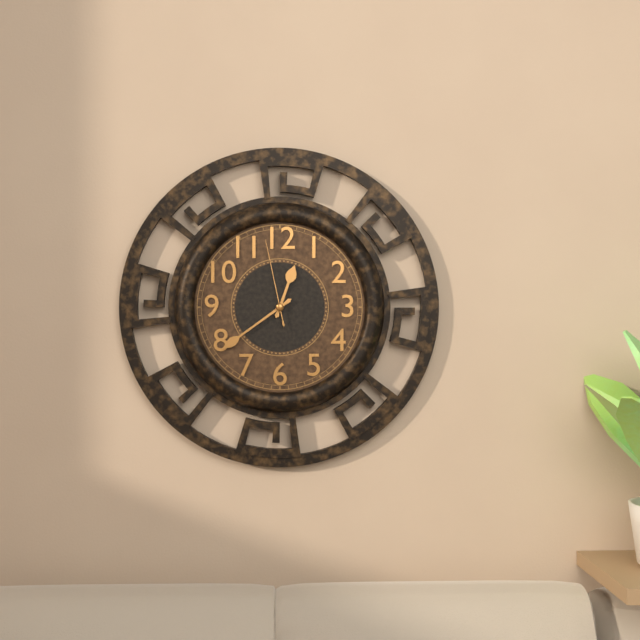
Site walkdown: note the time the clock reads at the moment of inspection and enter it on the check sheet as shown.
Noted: 12:39:58
